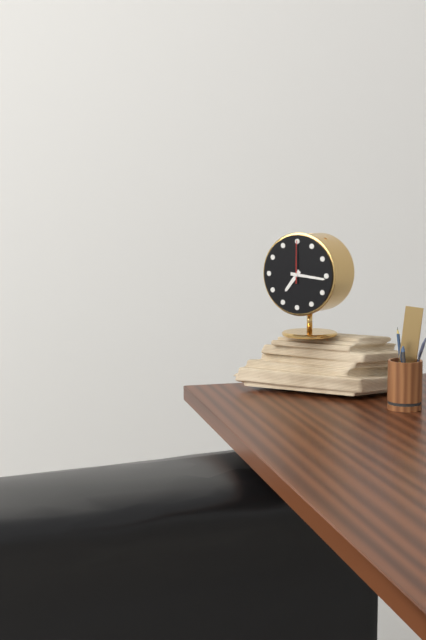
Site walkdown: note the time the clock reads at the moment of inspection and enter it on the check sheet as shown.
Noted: 7:16
